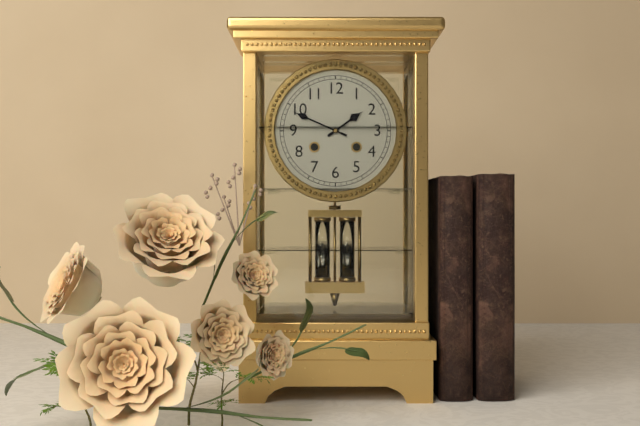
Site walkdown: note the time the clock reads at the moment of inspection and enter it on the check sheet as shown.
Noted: 1:49
